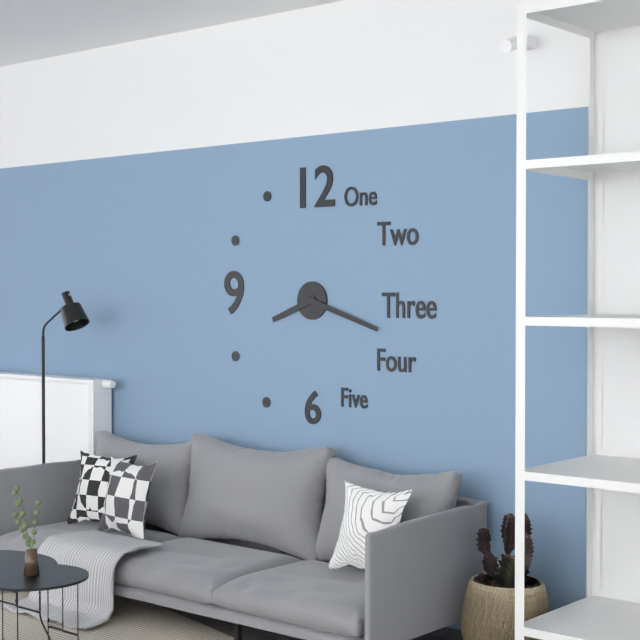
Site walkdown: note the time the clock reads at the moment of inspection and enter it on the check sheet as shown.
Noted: 8:18
